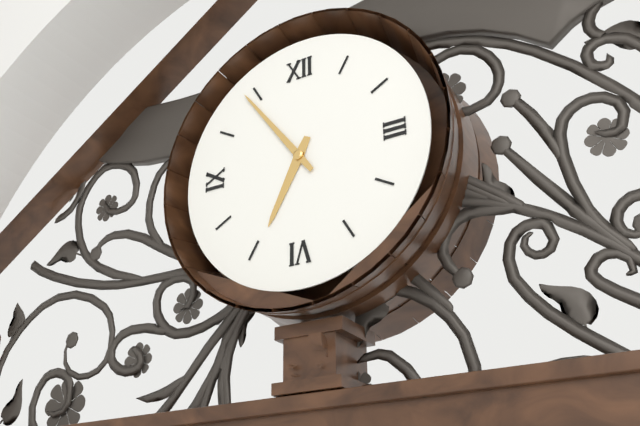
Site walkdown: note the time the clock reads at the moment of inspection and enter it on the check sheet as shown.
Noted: 6:54
